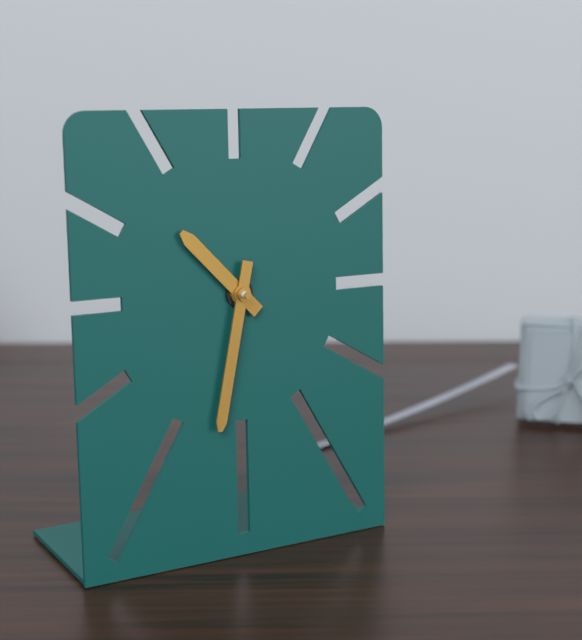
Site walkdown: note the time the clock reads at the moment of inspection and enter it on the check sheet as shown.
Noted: 10:32
